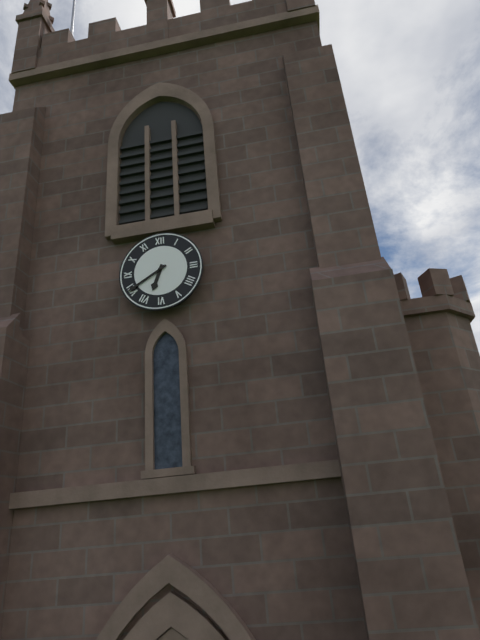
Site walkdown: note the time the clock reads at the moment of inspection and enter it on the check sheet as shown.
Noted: 6:40
